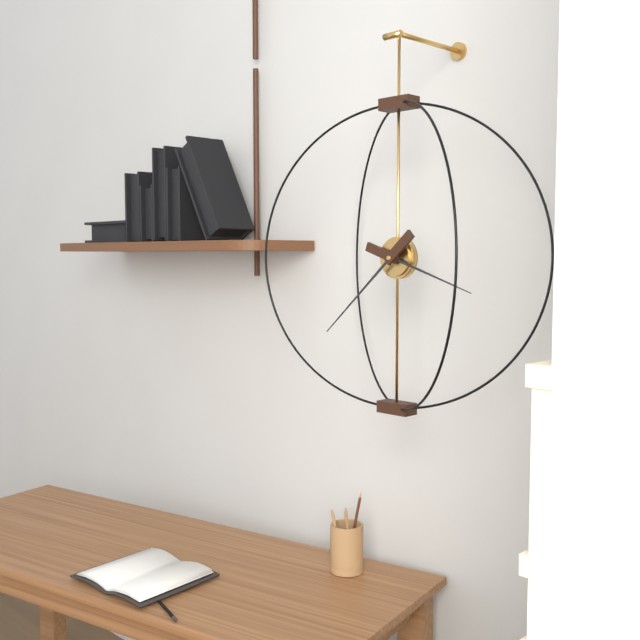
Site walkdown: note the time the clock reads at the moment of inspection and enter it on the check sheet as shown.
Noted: 3:38
